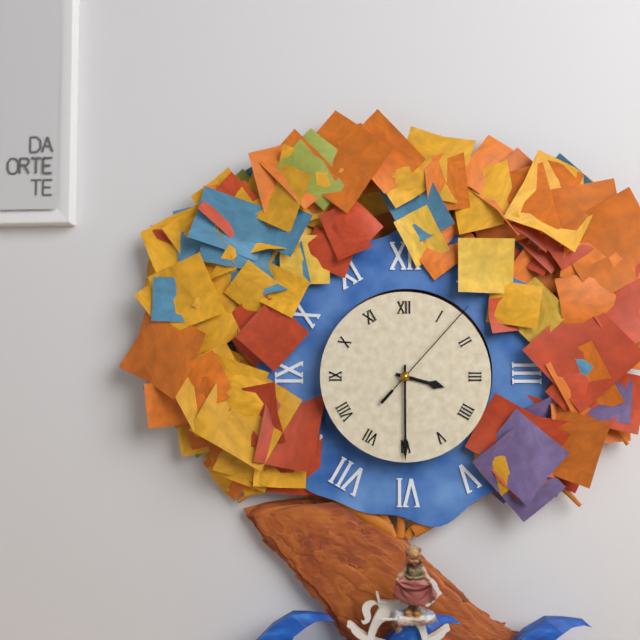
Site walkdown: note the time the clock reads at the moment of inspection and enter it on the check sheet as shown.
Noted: 3:30:07
